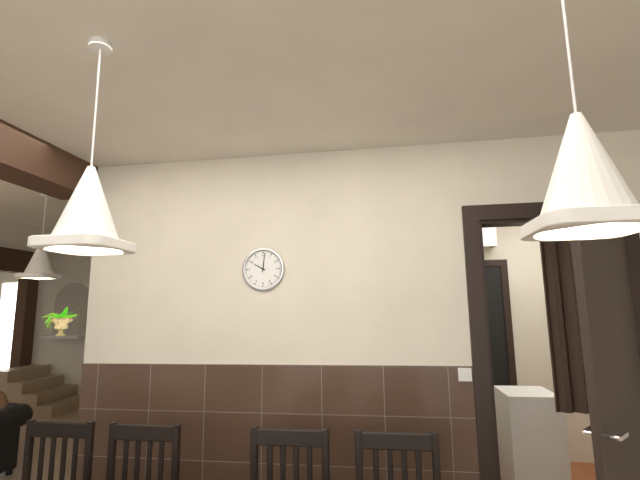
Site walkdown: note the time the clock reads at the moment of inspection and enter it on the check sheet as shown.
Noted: 10:01
